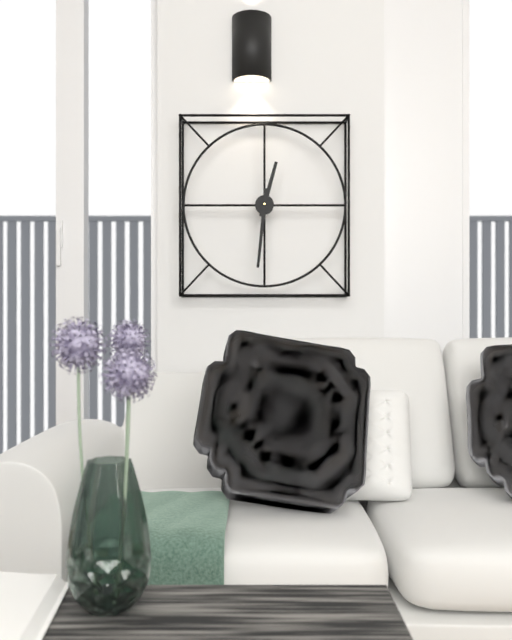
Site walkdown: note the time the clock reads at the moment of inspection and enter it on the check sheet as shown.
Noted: 12:31
